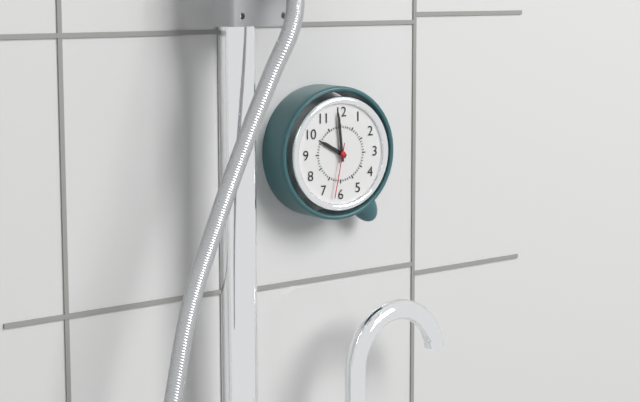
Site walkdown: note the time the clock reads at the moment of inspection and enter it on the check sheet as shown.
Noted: 9:59:32
